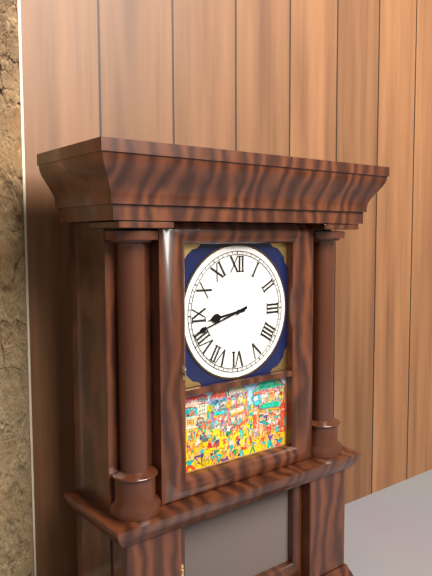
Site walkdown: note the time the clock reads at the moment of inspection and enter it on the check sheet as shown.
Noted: 8:42
